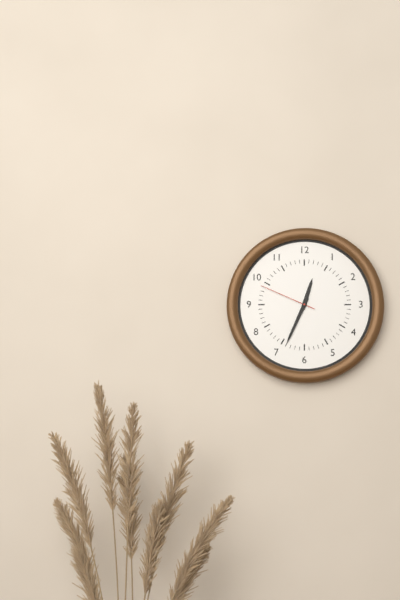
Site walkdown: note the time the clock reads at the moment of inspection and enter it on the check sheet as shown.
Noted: 12:34:49
